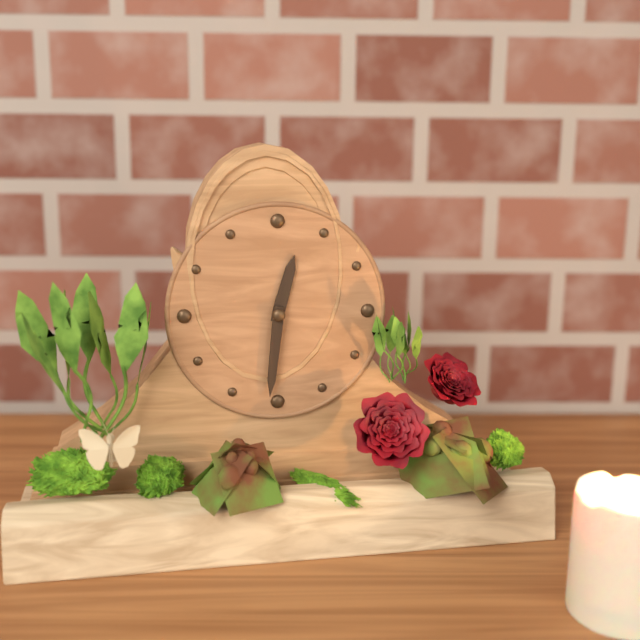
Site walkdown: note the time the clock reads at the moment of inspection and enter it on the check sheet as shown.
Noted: 12:31
